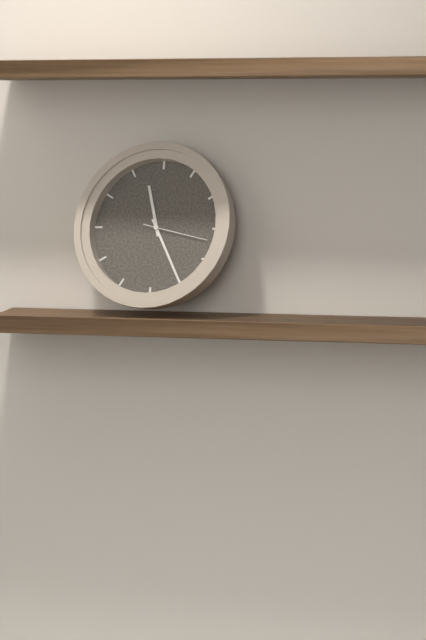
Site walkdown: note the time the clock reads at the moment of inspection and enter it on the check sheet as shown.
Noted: 11:25:17
